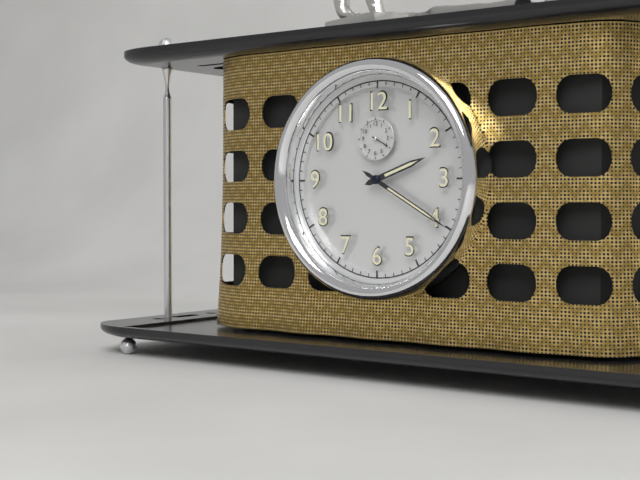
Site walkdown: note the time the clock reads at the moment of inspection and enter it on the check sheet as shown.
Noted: 2:20
